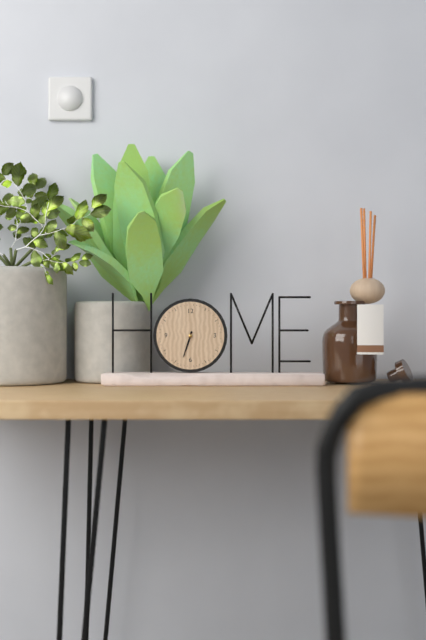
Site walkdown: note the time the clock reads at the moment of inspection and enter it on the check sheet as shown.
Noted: 6:33
